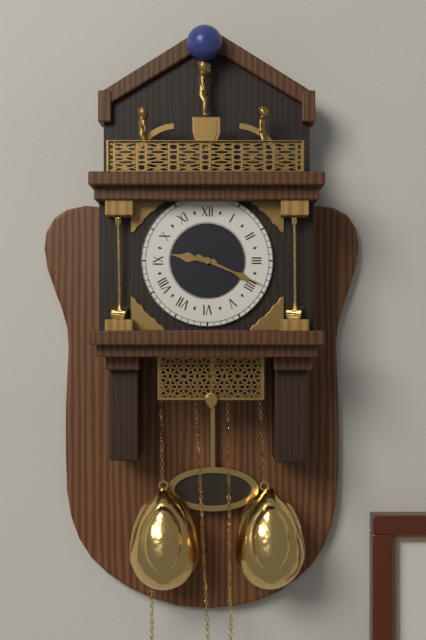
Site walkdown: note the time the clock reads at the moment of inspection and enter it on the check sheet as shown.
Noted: 9:19
